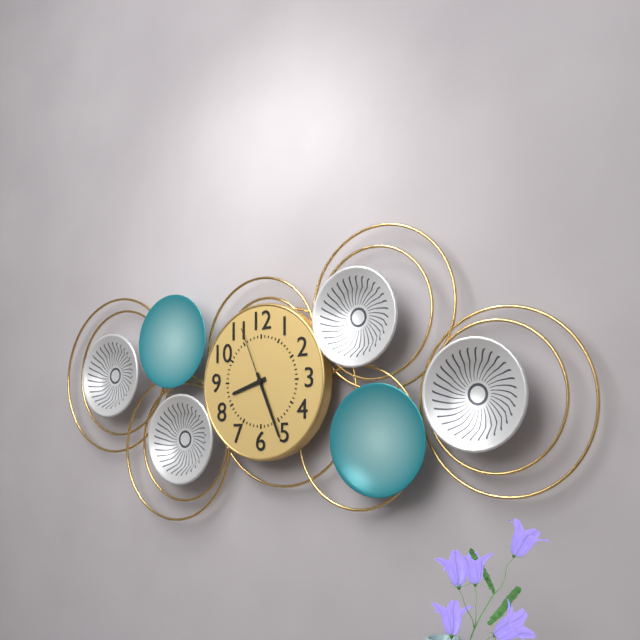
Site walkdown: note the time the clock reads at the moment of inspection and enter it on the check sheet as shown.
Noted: 8:26:56
